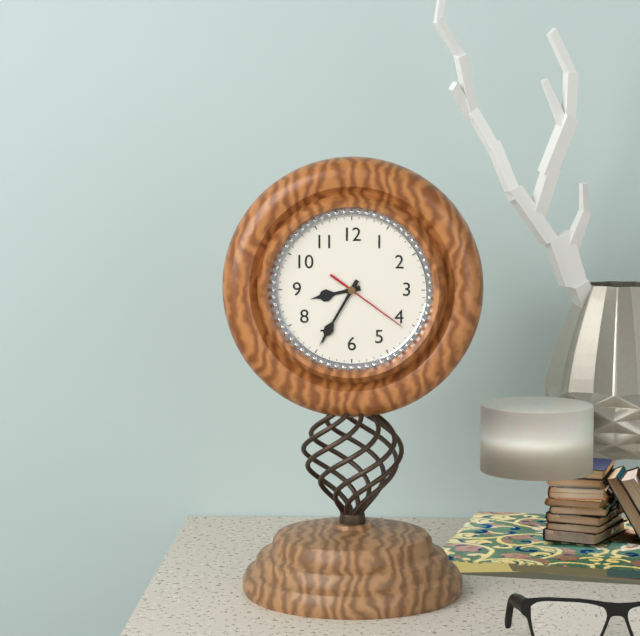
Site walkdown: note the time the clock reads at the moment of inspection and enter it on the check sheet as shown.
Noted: 8:35:21
